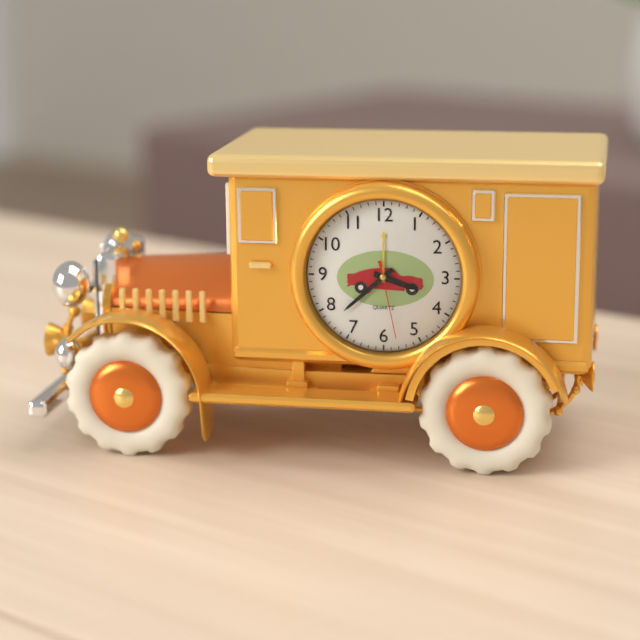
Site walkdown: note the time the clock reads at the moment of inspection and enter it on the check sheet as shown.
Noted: 3:38:28
